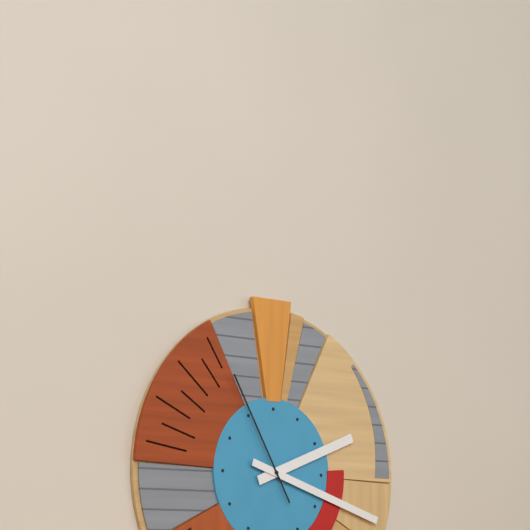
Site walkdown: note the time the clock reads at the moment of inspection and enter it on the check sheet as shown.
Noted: 2:18:55
